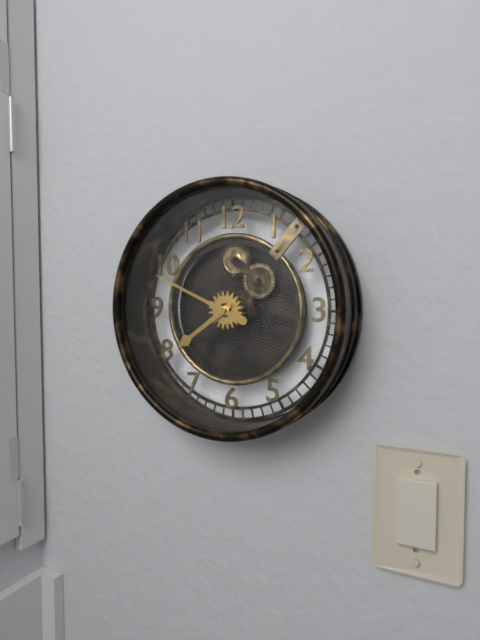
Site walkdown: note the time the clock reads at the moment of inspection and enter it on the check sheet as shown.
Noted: 7:49
